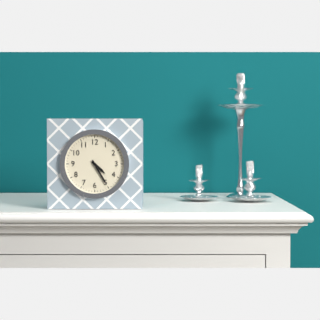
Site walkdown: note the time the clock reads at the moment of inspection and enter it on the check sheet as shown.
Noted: 4:25
